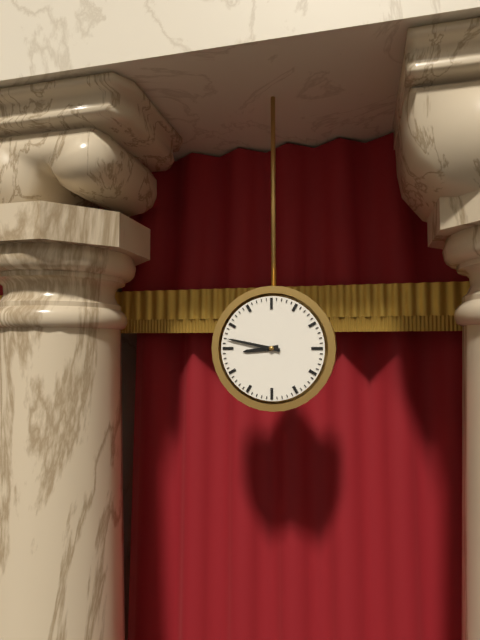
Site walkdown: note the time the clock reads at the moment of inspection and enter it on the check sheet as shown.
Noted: 8:47
